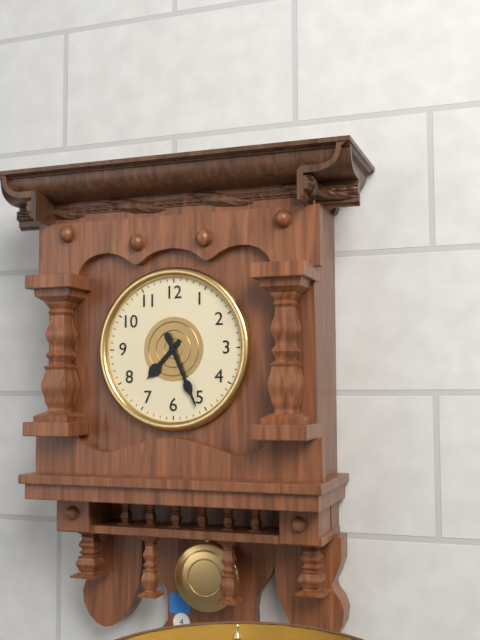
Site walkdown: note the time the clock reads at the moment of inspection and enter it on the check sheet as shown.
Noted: 7:26
